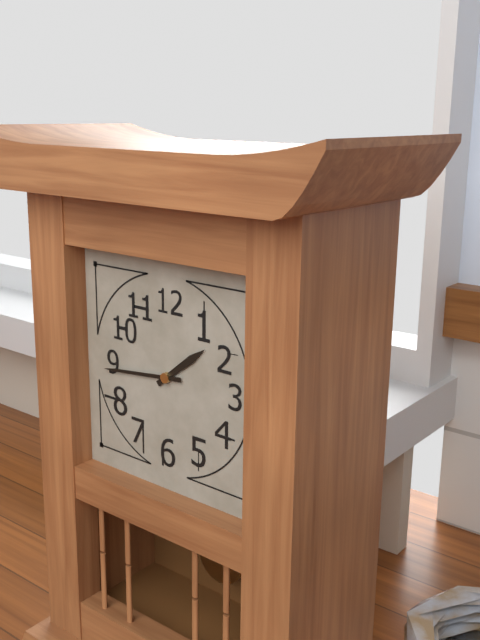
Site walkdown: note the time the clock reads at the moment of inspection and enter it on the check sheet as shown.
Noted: 1:44
